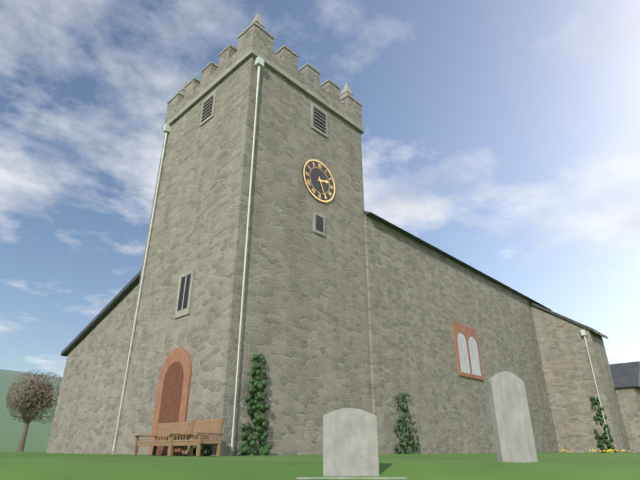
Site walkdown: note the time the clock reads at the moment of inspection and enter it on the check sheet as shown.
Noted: 2:26
